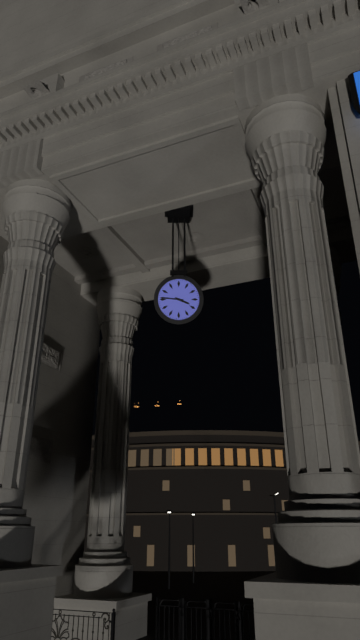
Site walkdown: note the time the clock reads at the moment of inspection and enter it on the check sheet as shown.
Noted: 3:46
